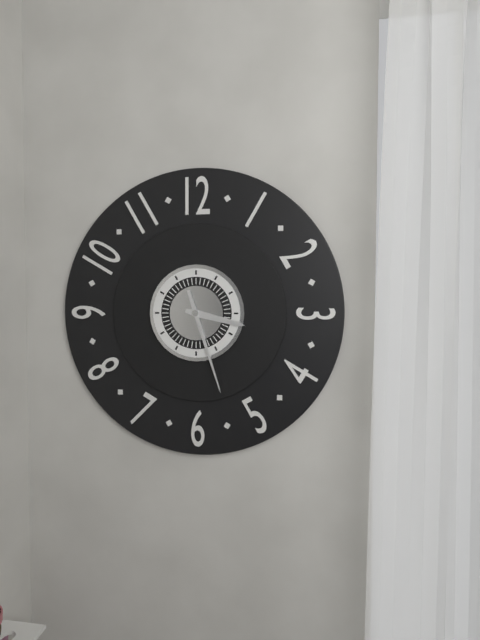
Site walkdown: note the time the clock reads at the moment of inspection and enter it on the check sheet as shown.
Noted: 3:27
